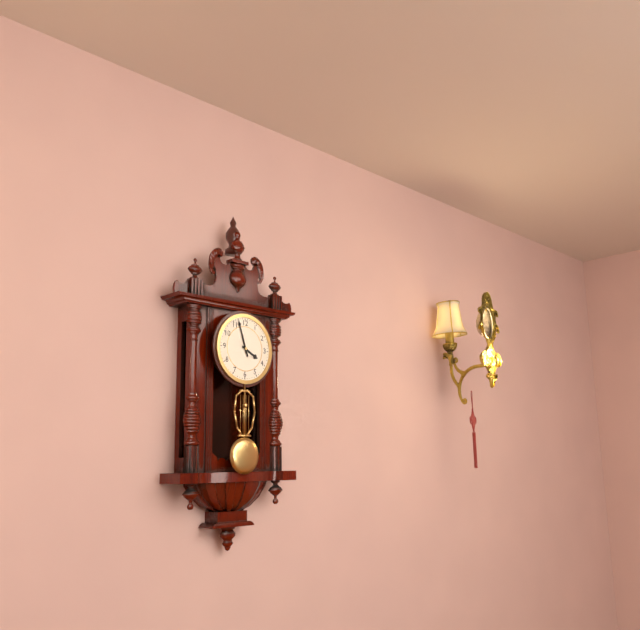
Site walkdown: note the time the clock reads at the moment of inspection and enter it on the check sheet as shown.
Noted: 3:57
